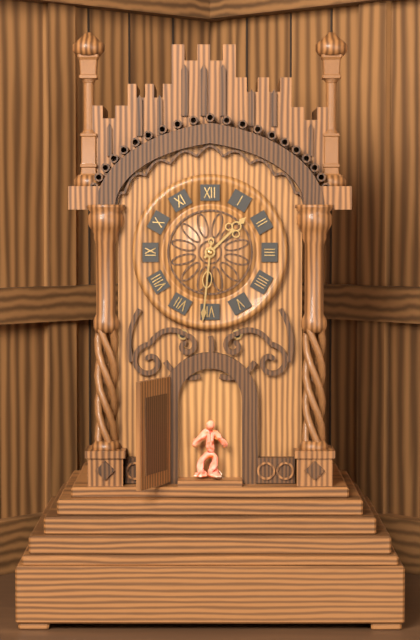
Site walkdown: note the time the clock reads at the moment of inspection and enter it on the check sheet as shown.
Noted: 1:31
